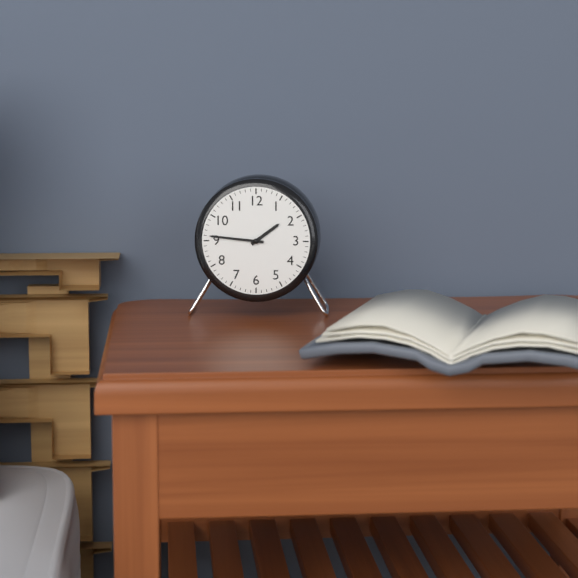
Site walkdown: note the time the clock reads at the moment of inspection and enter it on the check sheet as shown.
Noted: 1:46
